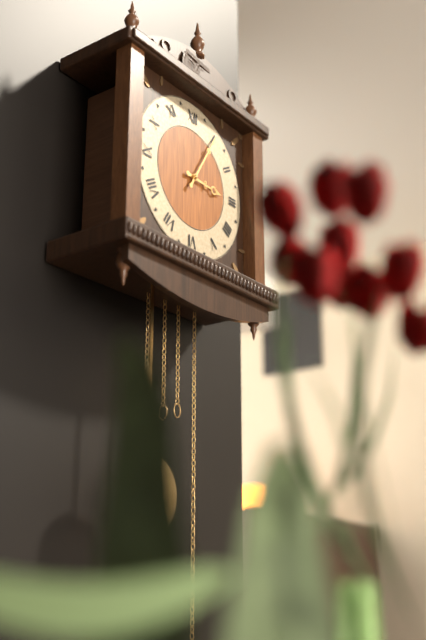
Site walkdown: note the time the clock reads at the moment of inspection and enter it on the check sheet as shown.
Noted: 3:05
